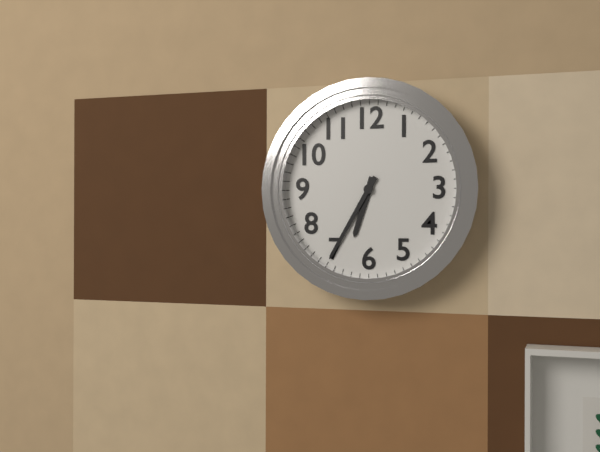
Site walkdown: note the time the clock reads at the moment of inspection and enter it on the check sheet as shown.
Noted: 6:35
